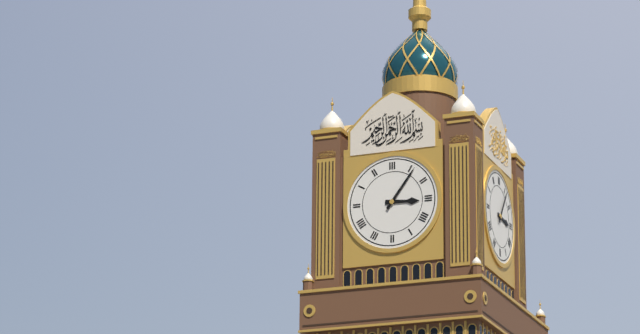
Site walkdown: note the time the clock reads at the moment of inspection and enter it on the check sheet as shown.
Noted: 3:06
